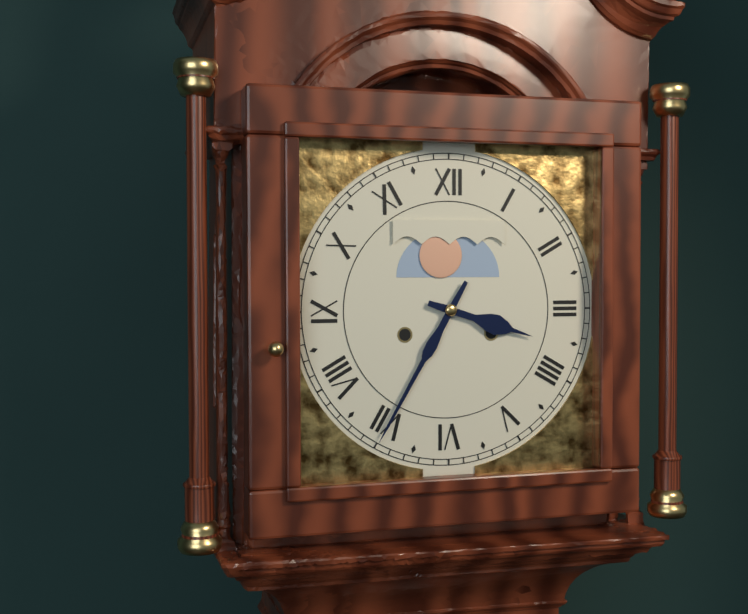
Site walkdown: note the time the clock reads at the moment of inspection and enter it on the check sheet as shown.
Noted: 3:35
